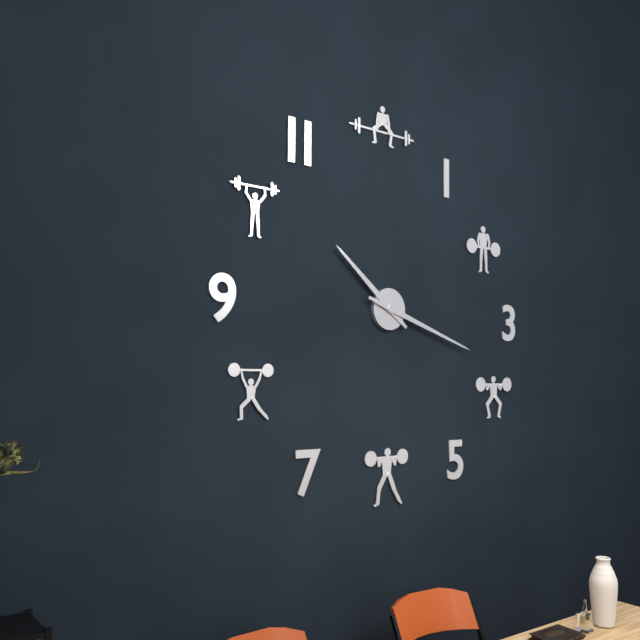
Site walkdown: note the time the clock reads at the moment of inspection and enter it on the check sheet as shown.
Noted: 10:18
